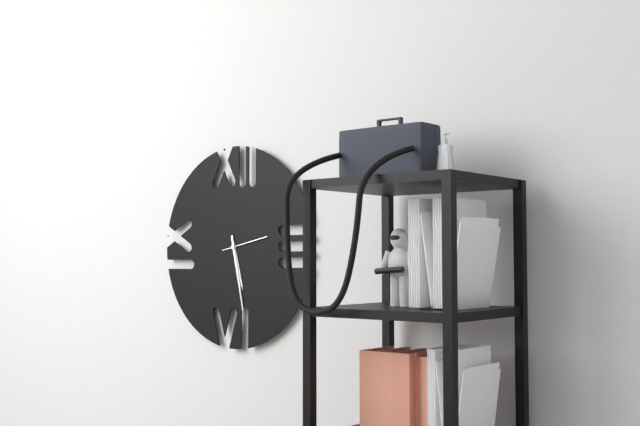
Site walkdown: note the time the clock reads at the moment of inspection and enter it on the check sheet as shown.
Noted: 5:28
